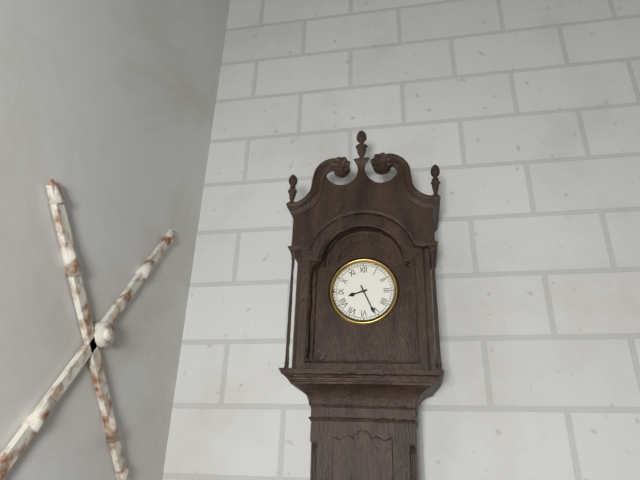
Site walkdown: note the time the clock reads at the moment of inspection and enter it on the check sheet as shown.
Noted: 8:26
